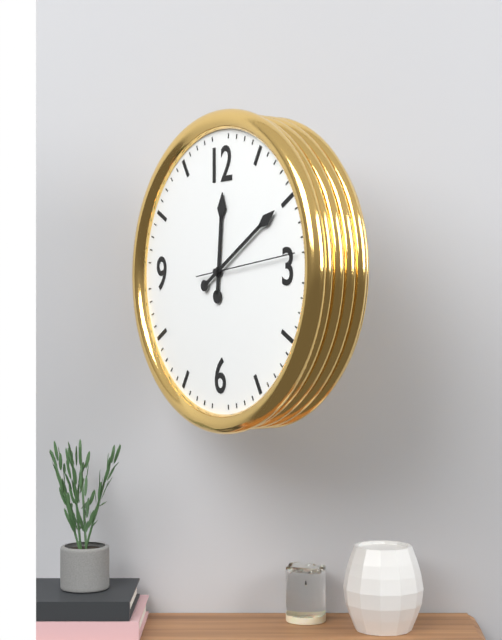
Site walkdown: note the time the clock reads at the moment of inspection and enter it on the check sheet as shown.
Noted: 12:10:14
